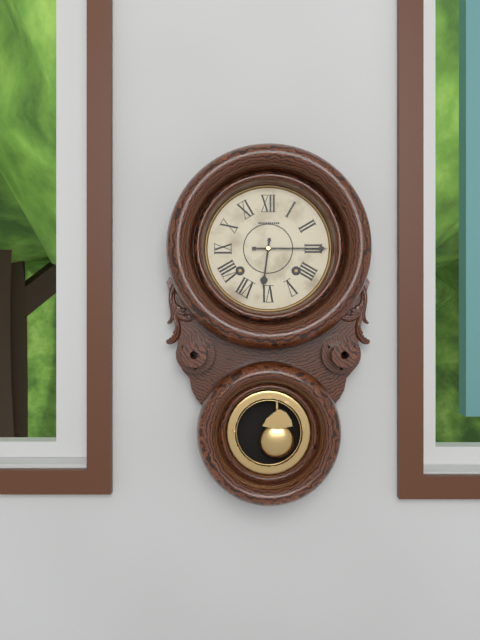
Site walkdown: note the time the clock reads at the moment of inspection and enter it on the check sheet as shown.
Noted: 6:15
